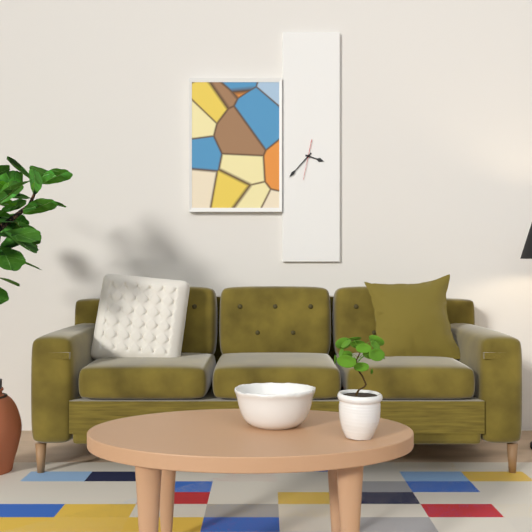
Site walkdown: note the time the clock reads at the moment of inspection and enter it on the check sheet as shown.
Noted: 3:37
